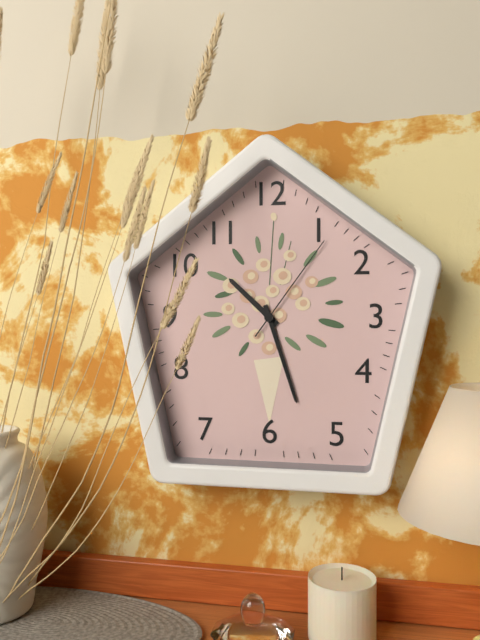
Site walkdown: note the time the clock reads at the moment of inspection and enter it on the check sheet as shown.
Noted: 10:27:06
